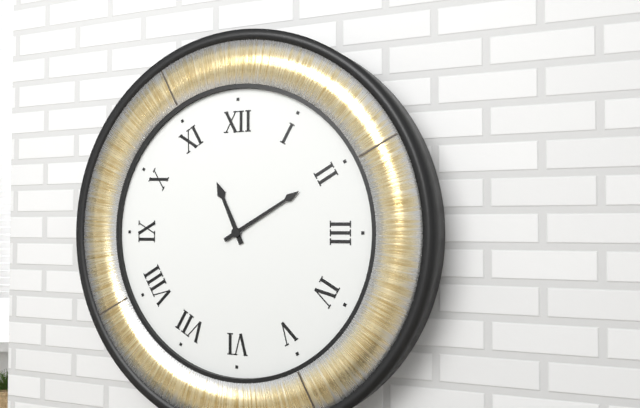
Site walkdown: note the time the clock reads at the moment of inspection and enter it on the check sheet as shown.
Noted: 11:10
